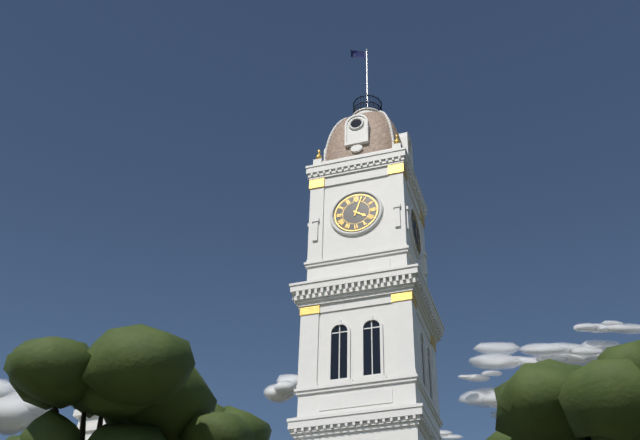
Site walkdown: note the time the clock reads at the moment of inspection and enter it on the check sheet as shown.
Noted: 4:03
